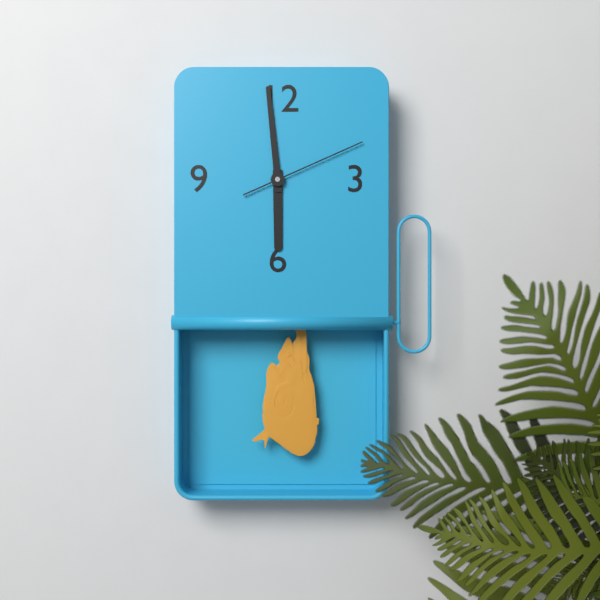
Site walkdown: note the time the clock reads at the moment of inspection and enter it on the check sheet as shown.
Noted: 5:59:11
